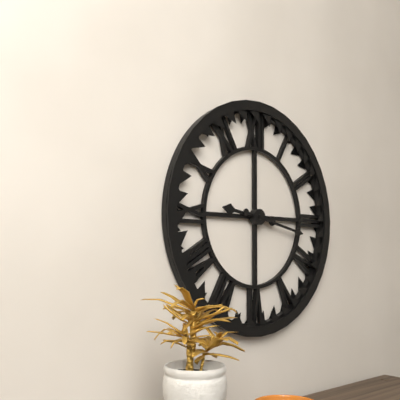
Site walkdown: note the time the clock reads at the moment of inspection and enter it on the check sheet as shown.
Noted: 9:17
